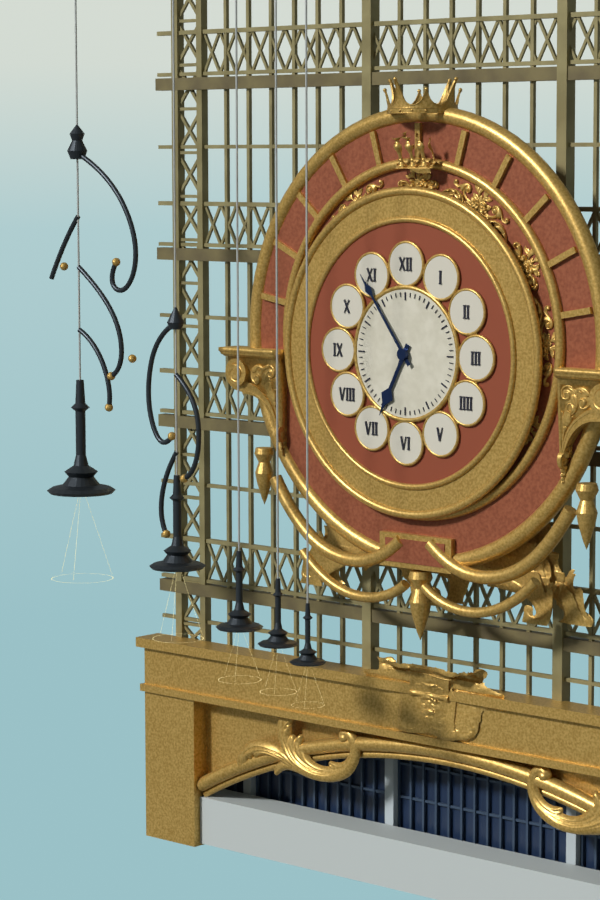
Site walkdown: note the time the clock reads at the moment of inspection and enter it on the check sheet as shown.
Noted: 6:54
